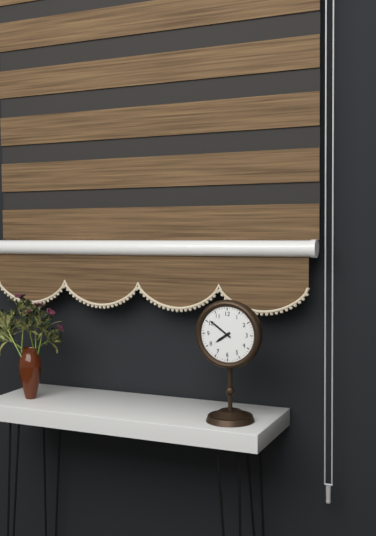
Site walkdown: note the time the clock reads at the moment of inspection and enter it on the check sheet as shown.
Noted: 7:51
